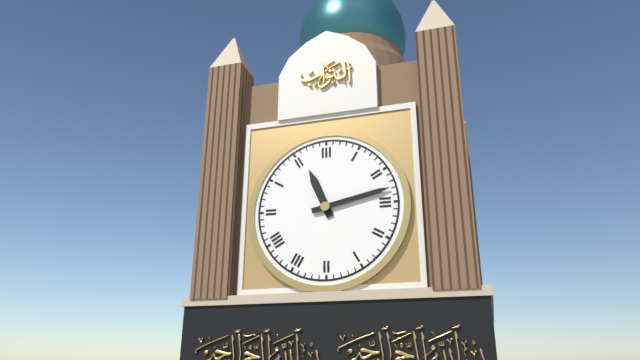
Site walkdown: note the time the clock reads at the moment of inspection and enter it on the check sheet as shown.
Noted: 11:13
